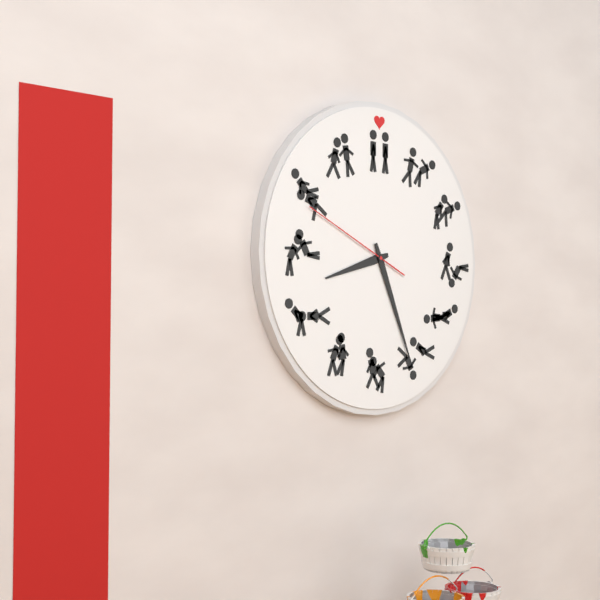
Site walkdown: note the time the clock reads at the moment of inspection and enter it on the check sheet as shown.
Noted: 8:26:49
